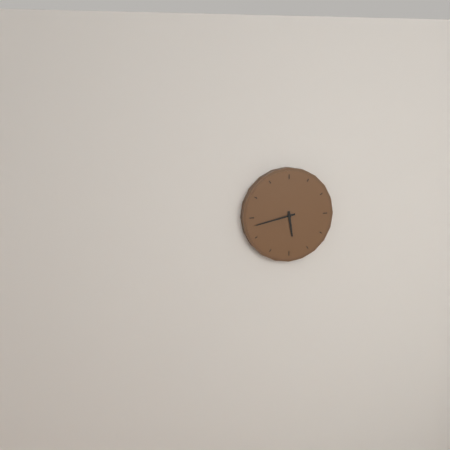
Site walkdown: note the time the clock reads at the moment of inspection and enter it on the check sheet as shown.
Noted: 5:43
